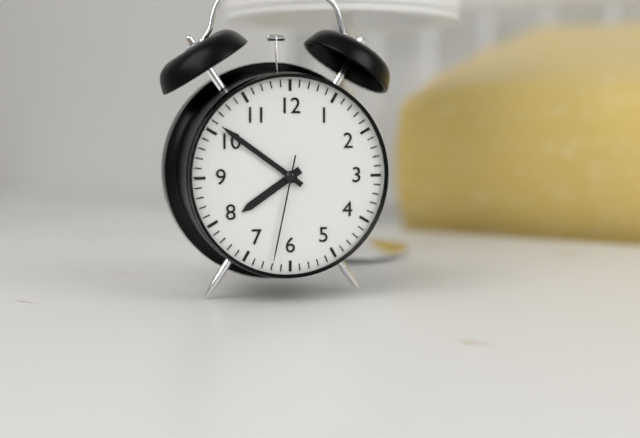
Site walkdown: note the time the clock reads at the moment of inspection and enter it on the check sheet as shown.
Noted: 7:51:32
